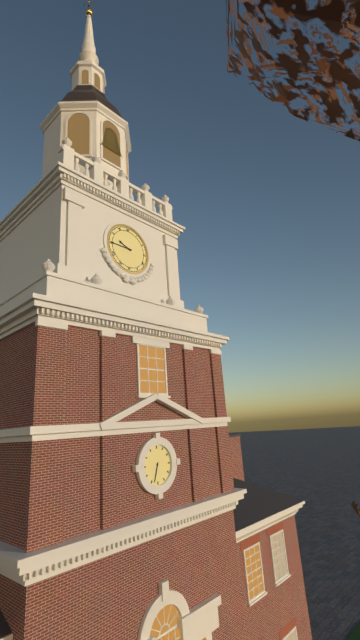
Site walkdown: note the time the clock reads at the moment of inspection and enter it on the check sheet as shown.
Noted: 9:45
